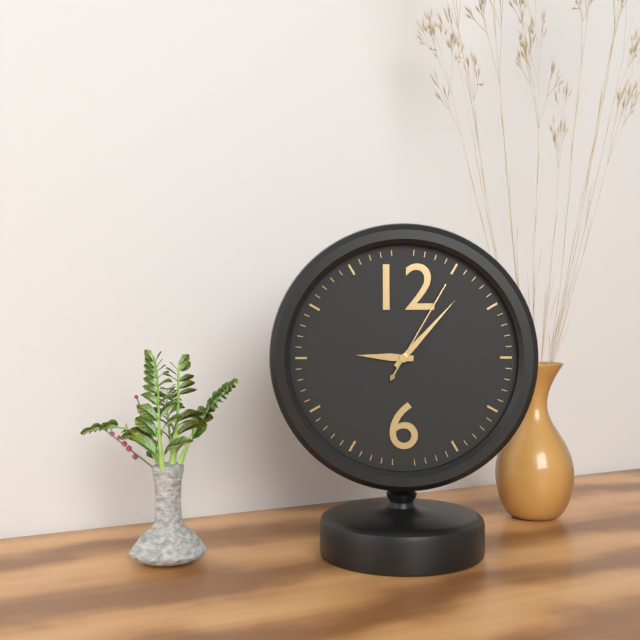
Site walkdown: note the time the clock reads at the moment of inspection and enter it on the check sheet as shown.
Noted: 9:07:05
